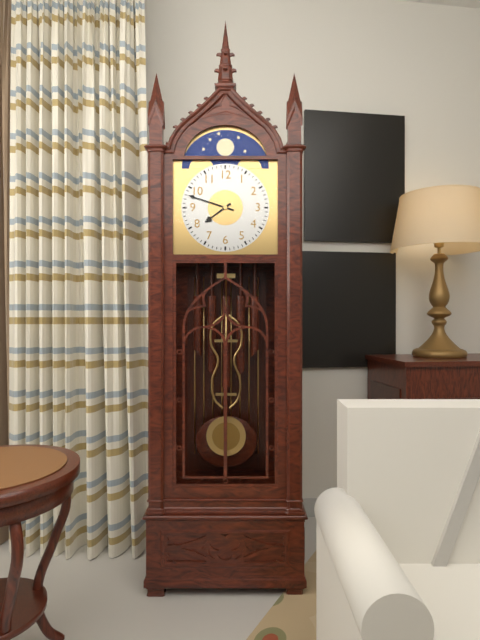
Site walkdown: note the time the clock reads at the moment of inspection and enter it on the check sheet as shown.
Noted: 7:48
